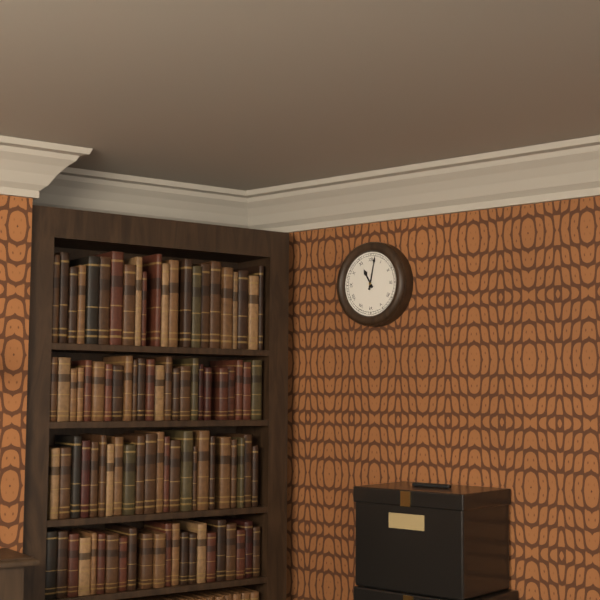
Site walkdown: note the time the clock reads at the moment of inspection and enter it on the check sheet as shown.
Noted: 11:02
